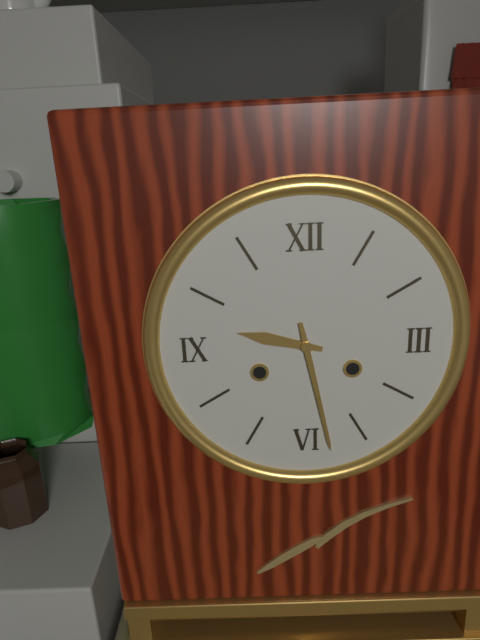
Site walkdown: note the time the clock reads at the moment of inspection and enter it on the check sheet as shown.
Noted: 9:28
